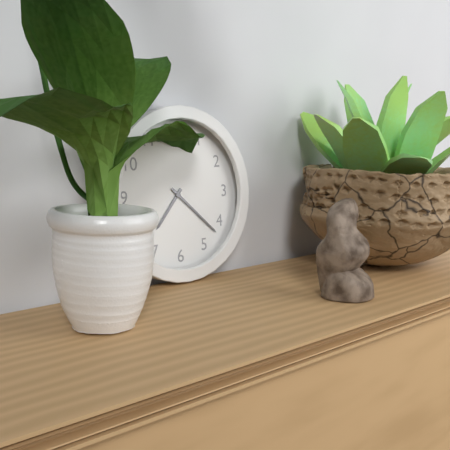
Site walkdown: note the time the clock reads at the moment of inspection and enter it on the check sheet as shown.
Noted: 7:22
